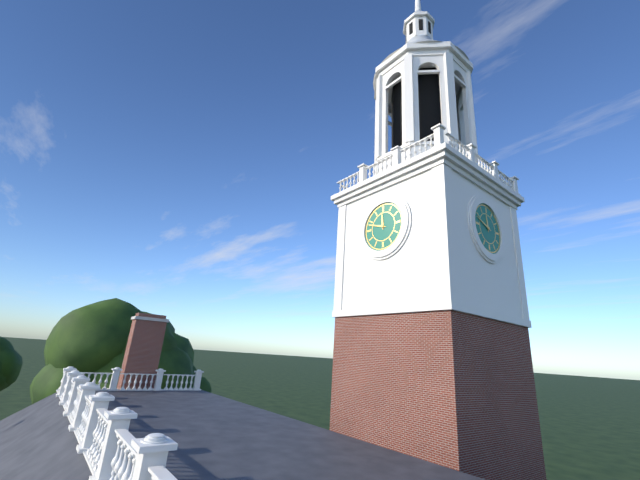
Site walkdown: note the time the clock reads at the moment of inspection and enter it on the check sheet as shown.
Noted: 11:48
